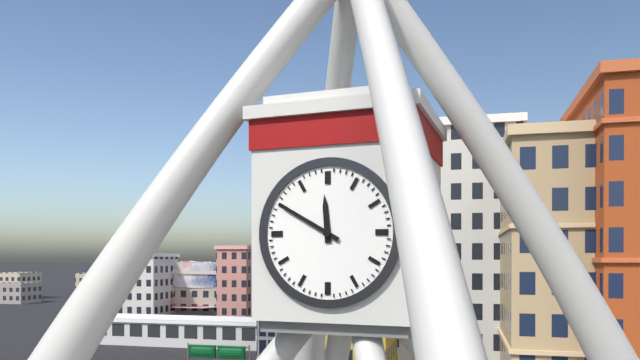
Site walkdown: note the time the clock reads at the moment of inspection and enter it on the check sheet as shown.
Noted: 11:50
